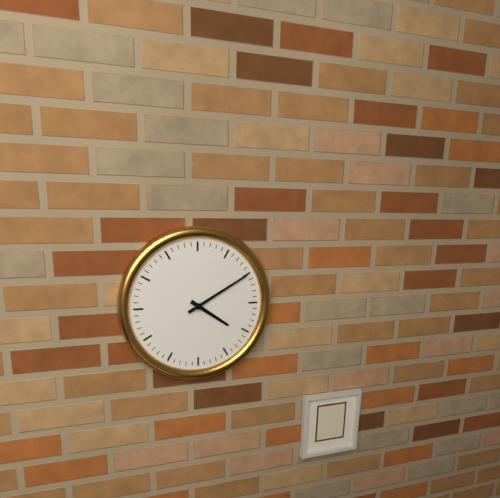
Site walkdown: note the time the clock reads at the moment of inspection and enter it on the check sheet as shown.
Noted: 4:10
